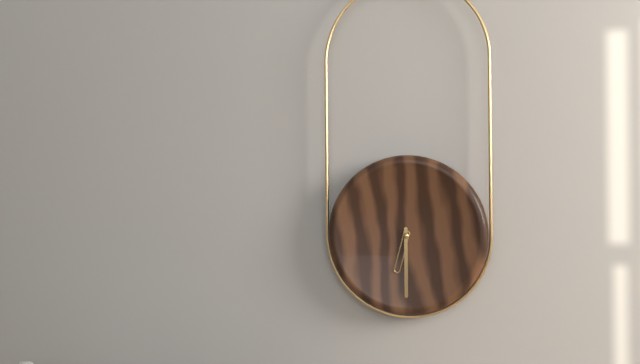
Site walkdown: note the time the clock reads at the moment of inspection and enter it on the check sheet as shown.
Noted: 6:30
